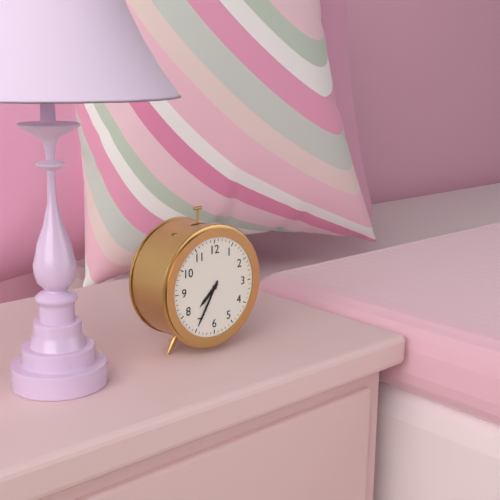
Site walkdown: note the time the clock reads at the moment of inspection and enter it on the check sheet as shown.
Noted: 7:35
